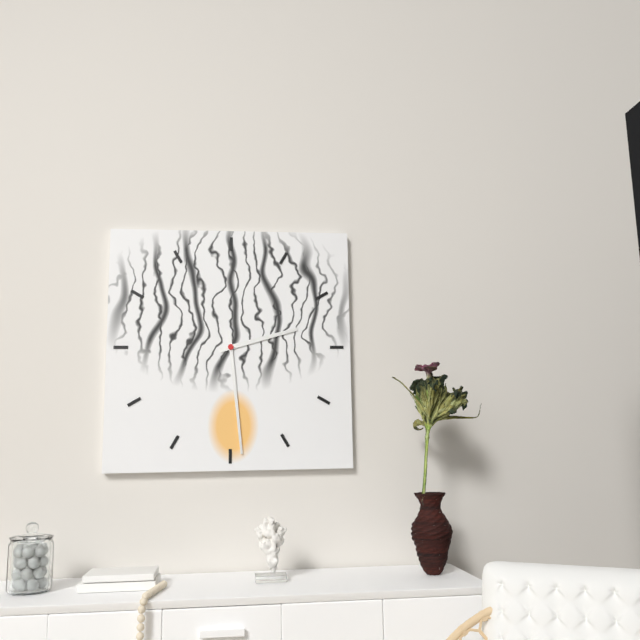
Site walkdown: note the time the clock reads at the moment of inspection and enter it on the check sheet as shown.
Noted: 2:29
